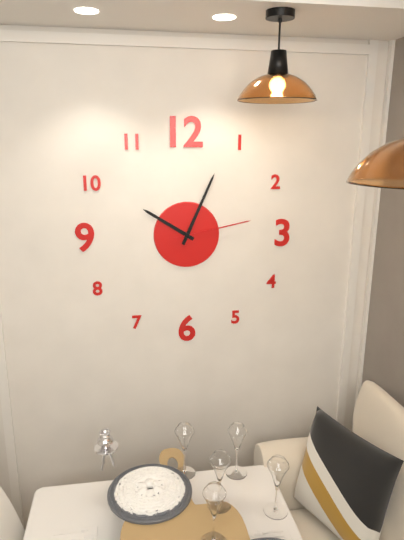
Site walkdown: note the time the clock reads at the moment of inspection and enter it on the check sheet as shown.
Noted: 10:04:13
